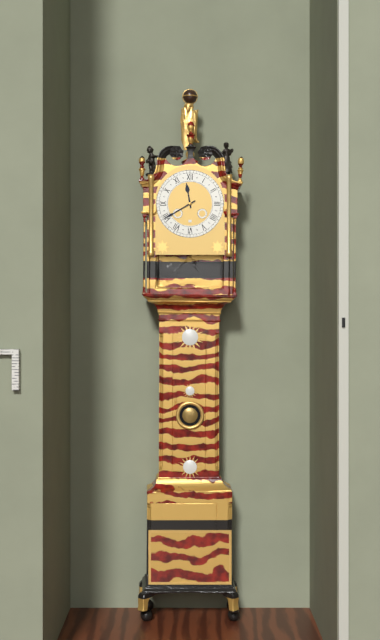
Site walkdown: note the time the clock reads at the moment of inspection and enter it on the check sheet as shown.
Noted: 11:40
